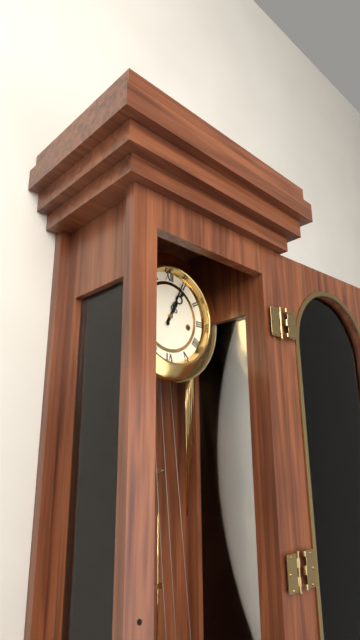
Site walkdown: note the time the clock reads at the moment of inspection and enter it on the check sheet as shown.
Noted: 1:04
